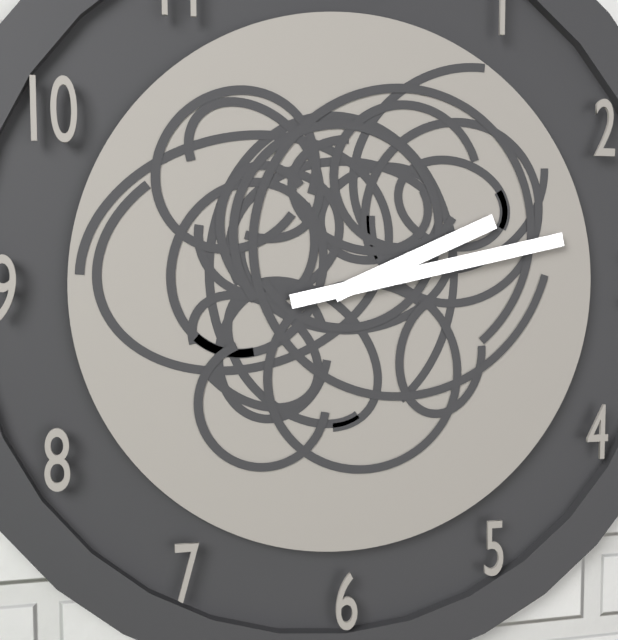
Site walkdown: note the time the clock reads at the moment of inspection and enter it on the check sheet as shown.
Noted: 2:13
